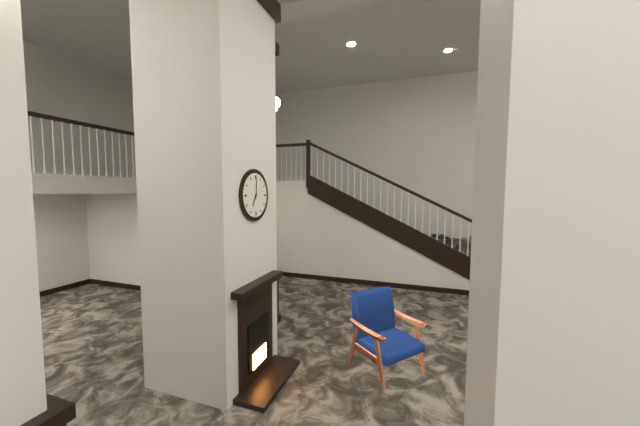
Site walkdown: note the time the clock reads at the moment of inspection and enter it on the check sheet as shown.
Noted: 7:01
